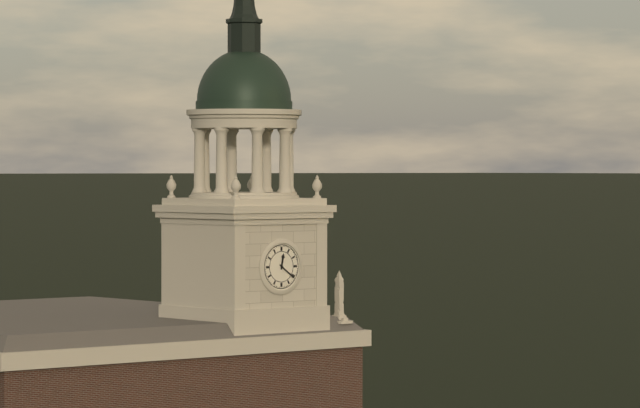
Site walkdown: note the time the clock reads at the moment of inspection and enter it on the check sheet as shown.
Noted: 12:21
